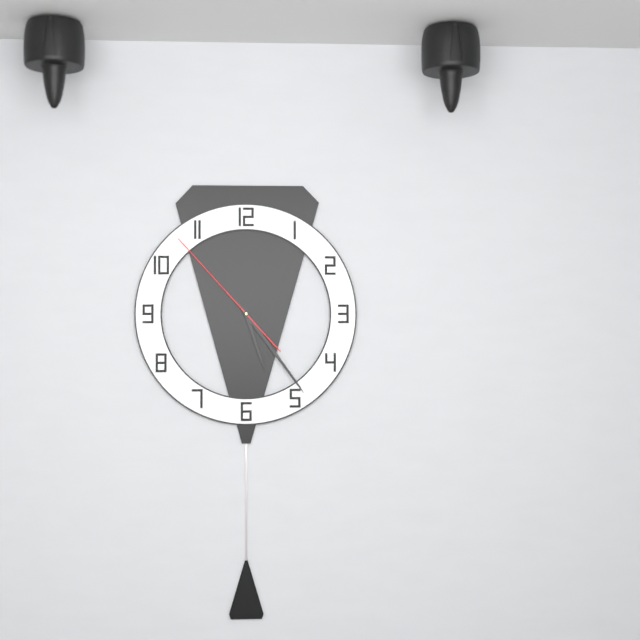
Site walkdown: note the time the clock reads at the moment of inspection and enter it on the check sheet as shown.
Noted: 5:24:53
